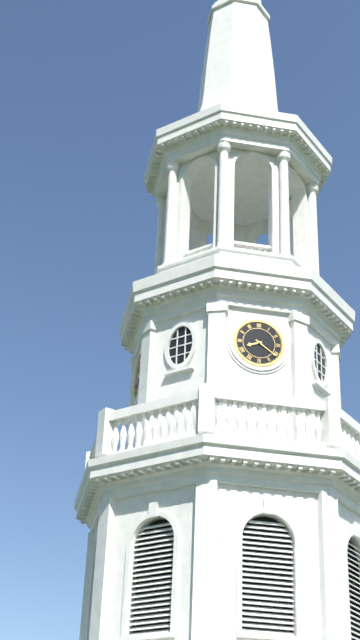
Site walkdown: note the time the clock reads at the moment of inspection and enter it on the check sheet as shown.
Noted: 8:21
